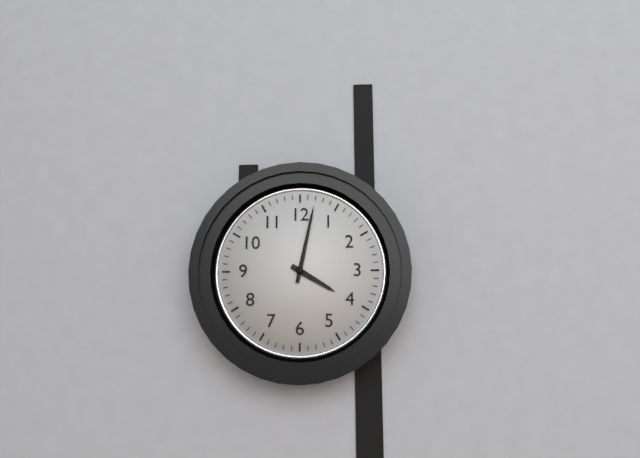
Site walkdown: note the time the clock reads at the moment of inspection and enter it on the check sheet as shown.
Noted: 4:02
